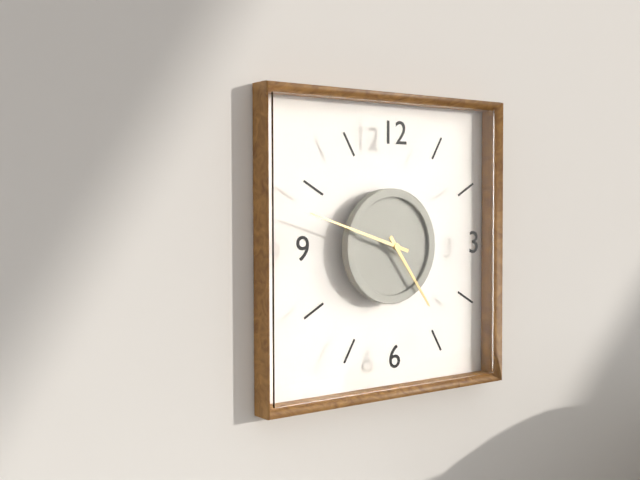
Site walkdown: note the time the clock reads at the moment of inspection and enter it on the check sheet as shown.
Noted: 4:48
